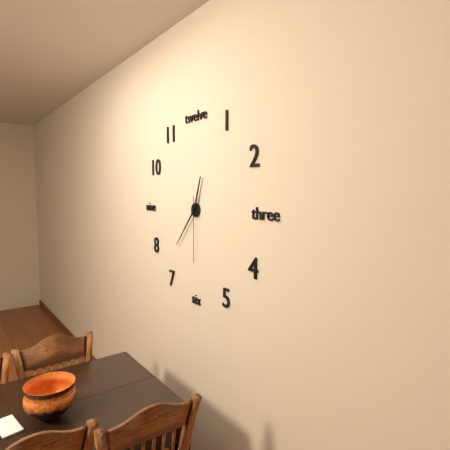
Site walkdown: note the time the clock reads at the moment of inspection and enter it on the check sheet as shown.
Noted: 12:37:30
